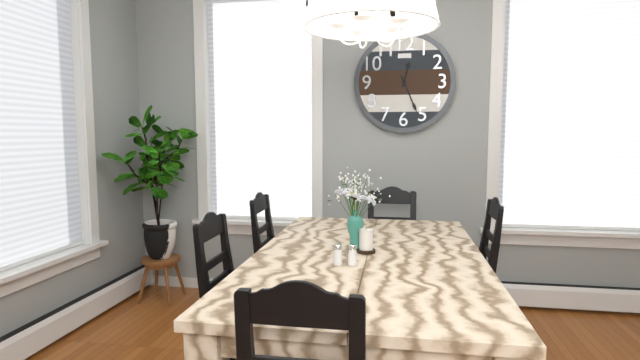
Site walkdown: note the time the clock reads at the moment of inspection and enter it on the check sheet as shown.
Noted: 12:26
